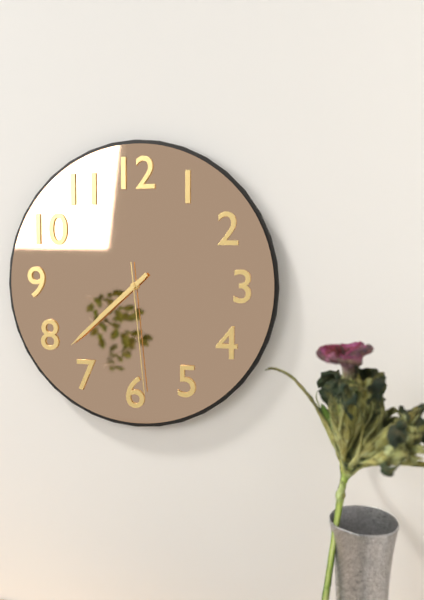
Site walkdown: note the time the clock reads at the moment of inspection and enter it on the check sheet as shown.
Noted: 7:38:29
